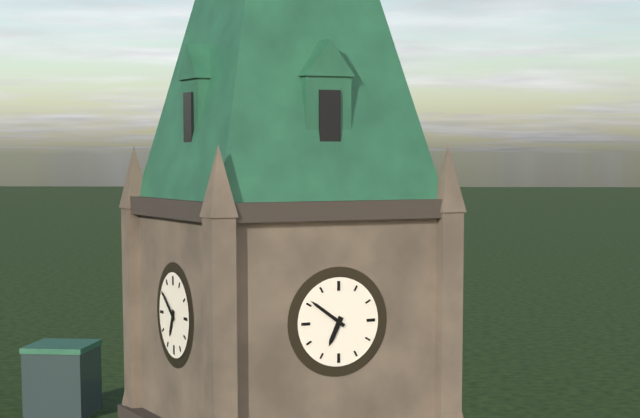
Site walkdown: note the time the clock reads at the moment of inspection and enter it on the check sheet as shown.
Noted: 6:51
